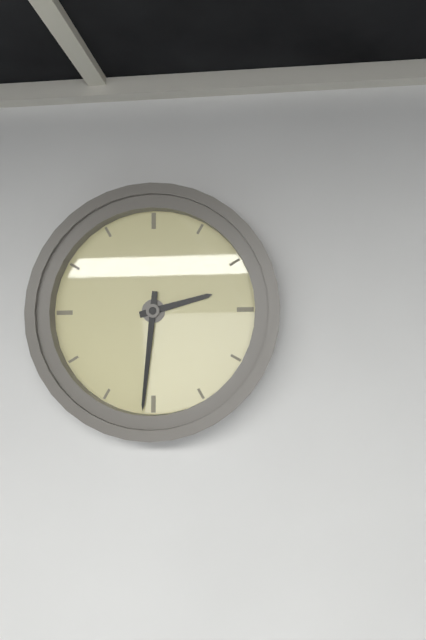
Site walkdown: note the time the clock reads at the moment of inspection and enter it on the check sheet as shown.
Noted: 2:31
